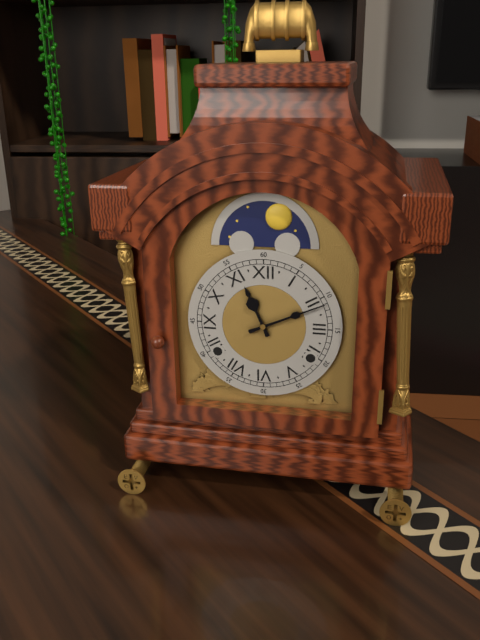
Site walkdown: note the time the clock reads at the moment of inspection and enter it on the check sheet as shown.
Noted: 11:11
